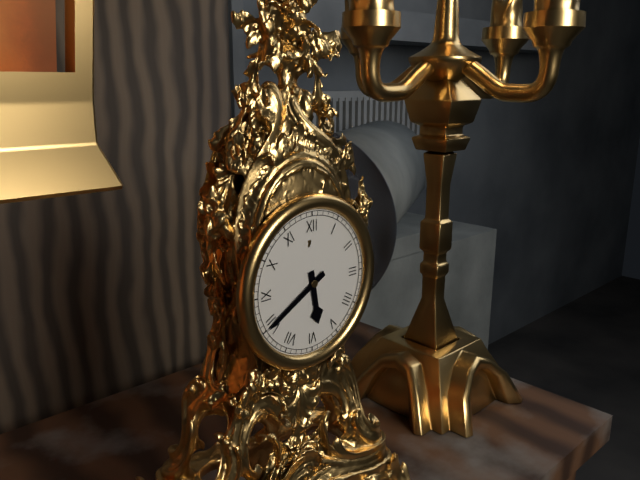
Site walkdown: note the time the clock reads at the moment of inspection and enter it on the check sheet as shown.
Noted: 5:40
